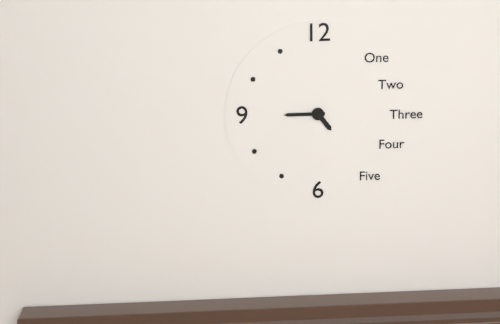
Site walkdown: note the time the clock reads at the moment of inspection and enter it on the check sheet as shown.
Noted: 4:45
